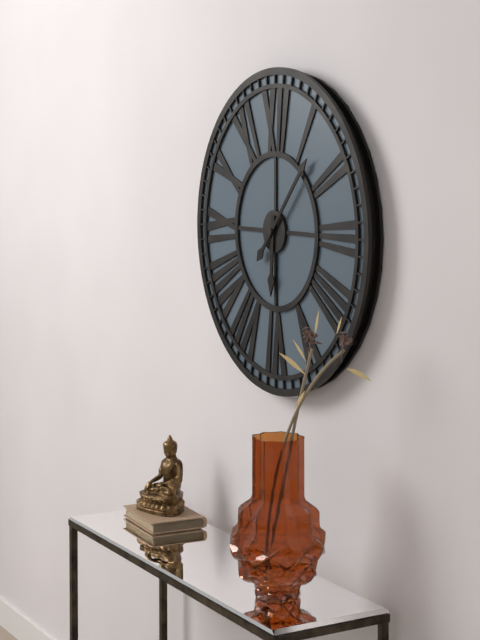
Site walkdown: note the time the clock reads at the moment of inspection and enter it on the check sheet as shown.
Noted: 6:07
